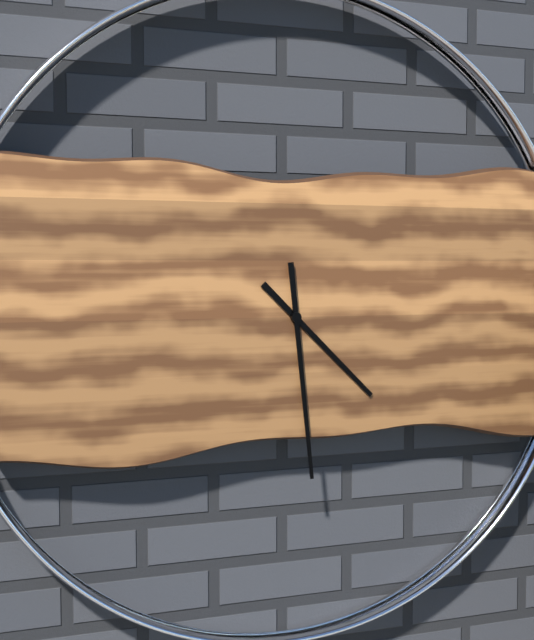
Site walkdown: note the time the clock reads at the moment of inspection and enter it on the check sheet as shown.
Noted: 4:29
